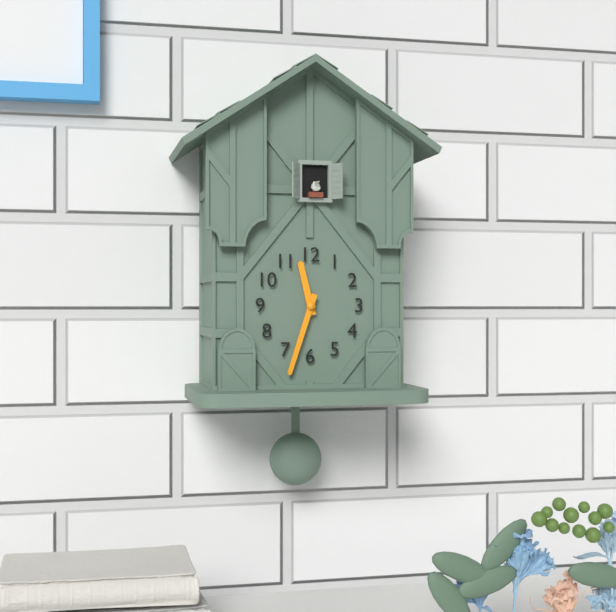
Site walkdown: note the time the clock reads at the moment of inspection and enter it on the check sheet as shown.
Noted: 11:33
